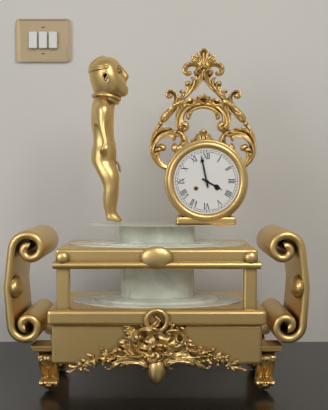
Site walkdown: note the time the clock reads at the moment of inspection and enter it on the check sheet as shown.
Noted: 3:58
